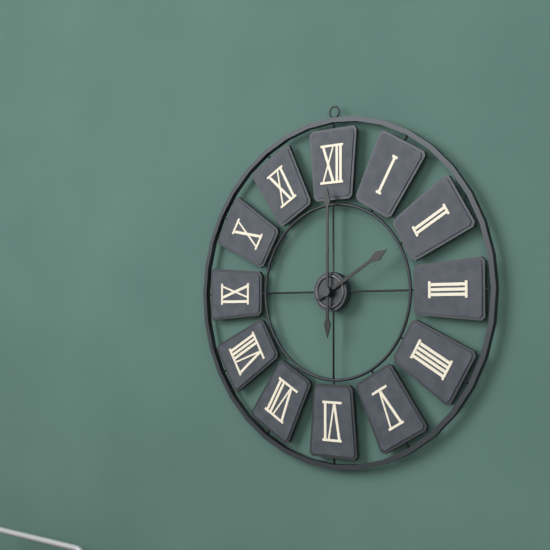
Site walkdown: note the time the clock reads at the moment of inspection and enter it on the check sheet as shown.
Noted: 2:00
